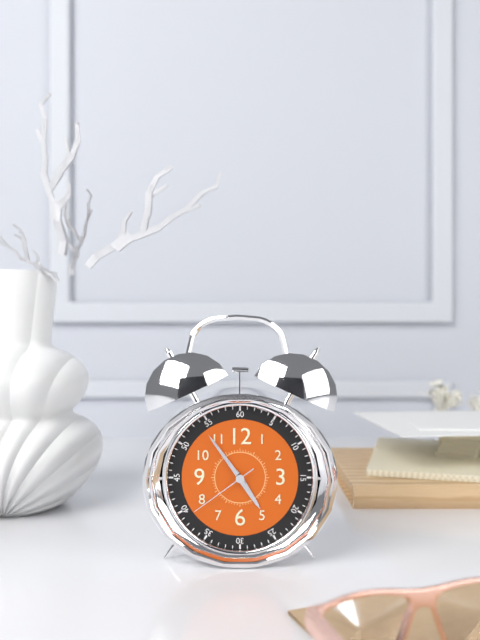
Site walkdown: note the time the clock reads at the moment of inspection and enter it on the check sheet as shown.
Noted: 4:54:39
